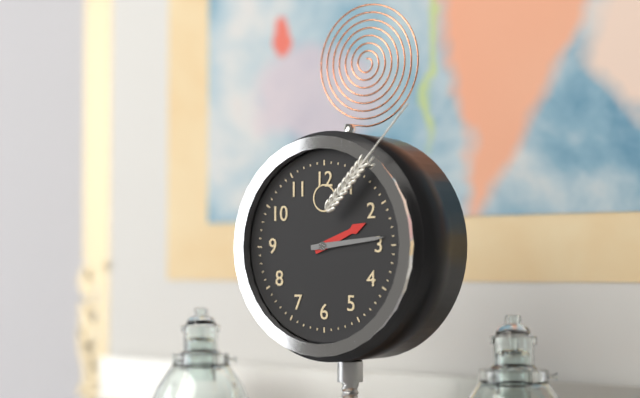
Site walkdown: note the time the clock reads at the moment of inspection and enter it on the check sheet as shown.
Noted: 2:14
